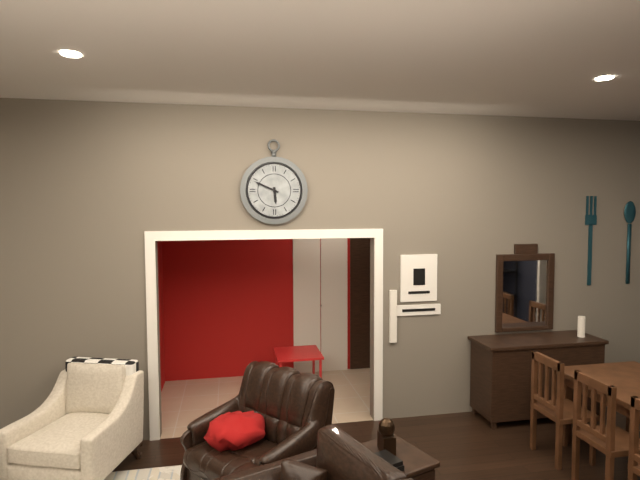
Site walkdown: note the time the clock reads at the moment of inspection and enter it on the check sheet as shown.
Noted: 5:49
